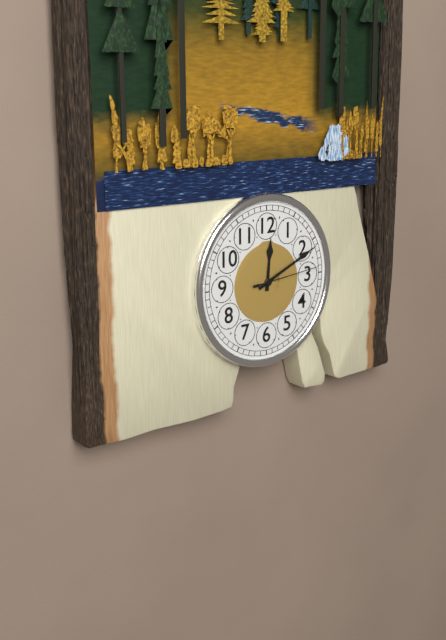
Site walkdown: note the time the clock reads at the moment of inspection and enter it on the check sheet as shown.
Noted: 12:11:14
